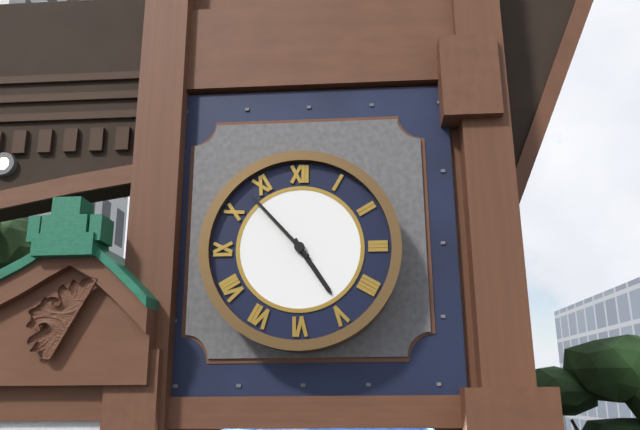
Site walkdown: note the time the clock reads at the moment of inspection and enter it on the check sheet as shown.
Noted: 4:53
